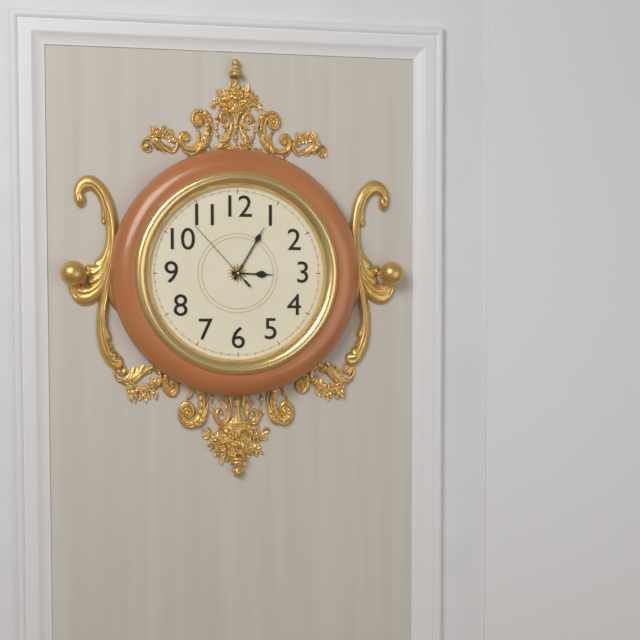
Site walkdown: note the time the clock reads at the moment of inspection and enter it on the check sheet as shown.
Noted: 3:05:53
